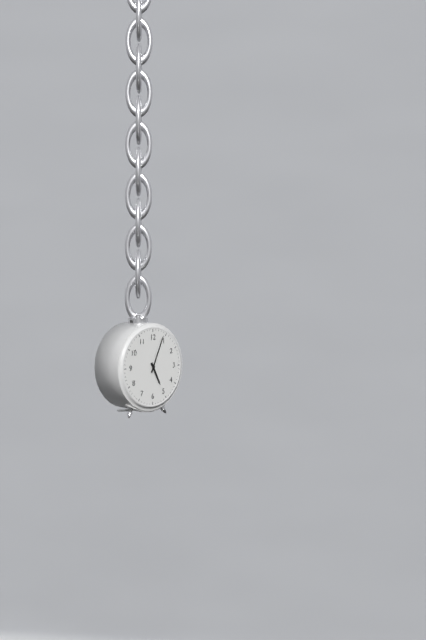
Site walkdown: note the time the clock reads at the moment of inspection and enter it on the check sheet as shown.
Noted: 5:04
